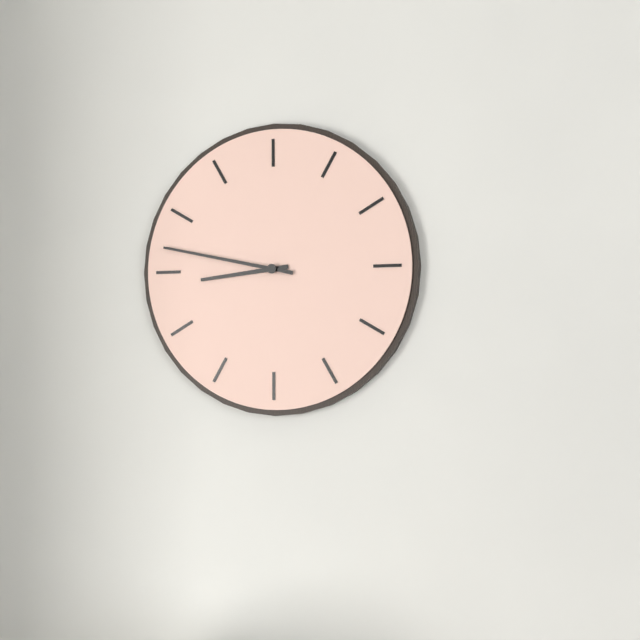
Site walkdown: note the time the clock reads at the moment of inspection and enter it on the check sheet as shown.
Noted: 8:47
